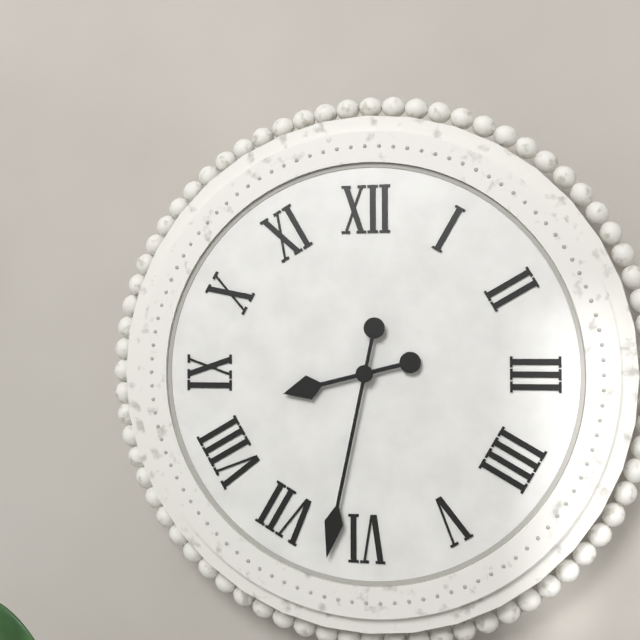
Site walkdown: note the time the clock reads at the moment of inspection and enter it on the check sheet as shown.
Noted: 8:32
